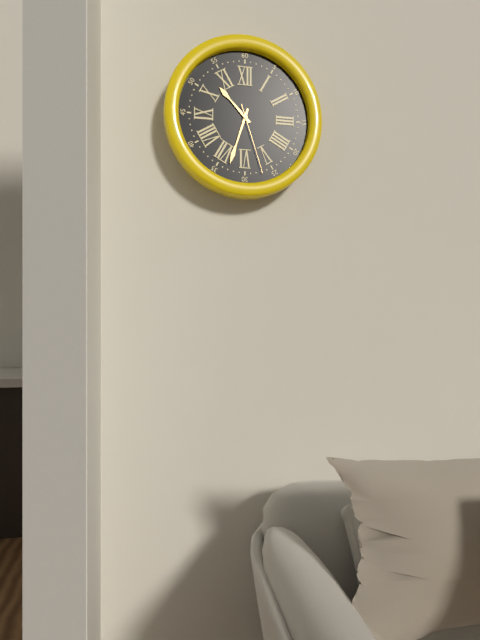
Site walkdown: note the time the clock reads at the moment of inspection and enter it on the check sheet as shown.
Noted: 10:33:27
